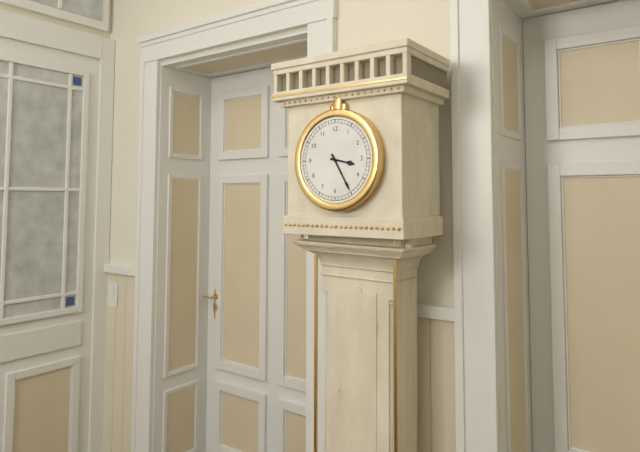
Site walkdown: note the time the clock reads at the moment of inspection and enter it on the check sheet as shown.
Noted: 3:25
